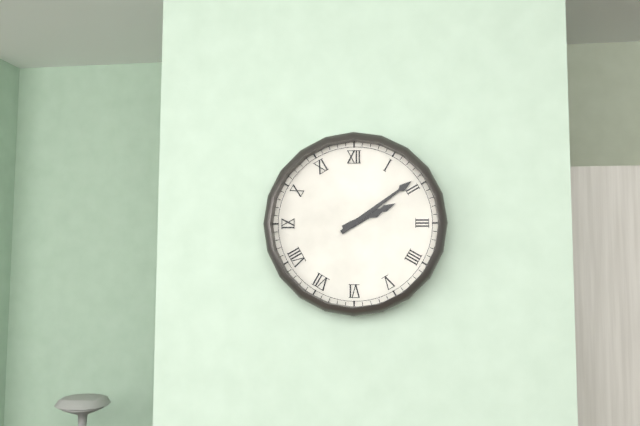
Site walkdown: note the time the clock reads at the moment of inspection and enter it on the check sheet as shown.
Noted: 2:09
